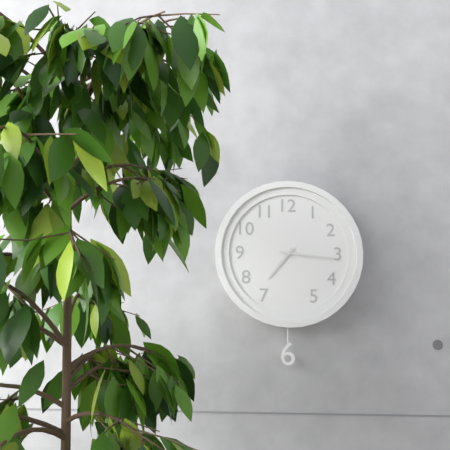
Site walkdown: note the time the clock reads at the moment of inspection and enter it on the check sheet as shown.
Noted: 7:16
